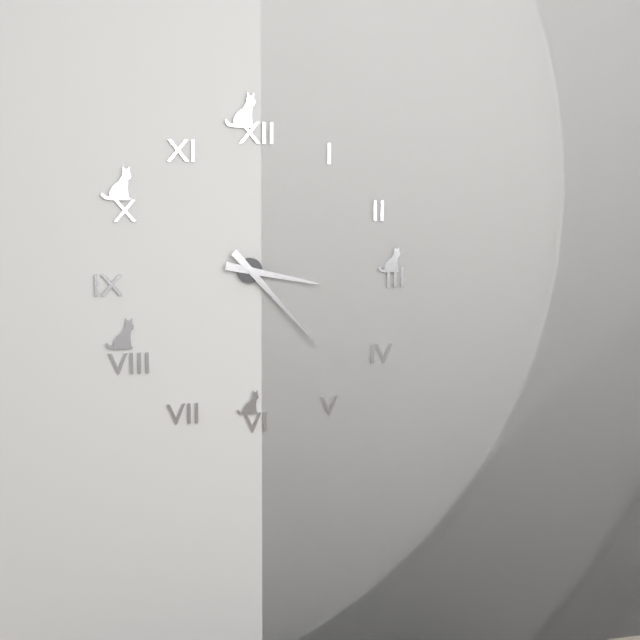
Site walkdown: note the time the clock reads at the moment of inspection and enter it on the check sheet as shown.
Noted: 3:23
